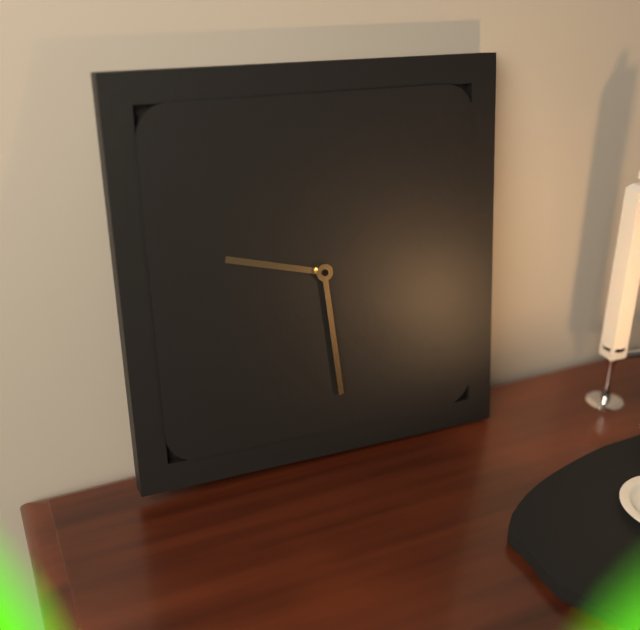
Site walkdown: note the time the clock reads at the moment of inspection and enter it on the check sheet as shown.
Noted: 9:29
